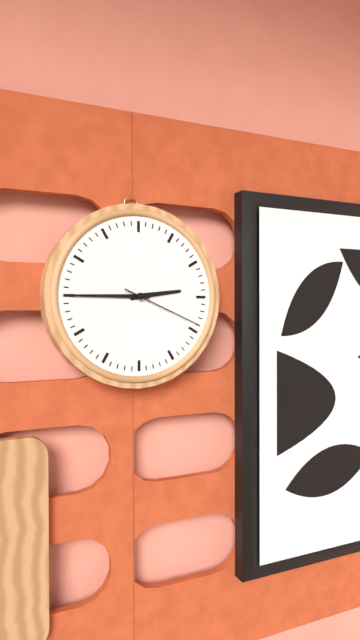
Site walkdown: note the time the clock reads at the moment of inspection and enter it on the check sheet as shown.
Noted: 2:45:19
